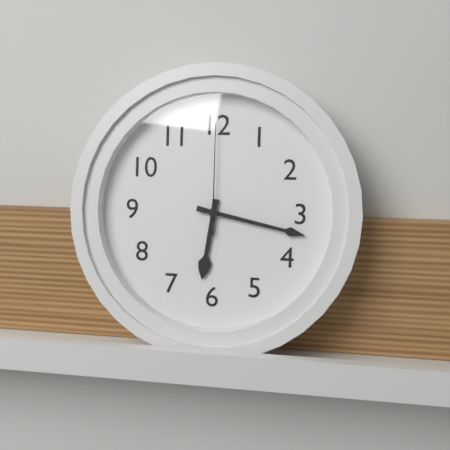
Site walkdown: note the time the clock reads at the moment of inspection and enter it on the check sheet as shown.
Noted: 6:17:00
